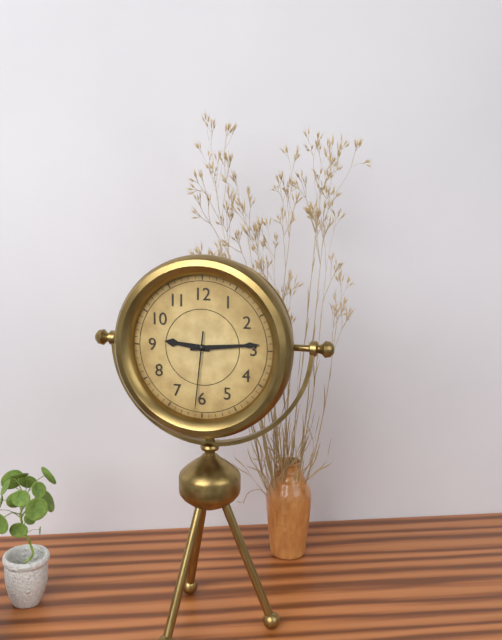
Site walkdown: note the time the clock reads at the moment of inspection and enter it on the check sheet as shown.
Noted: 9:14:31
